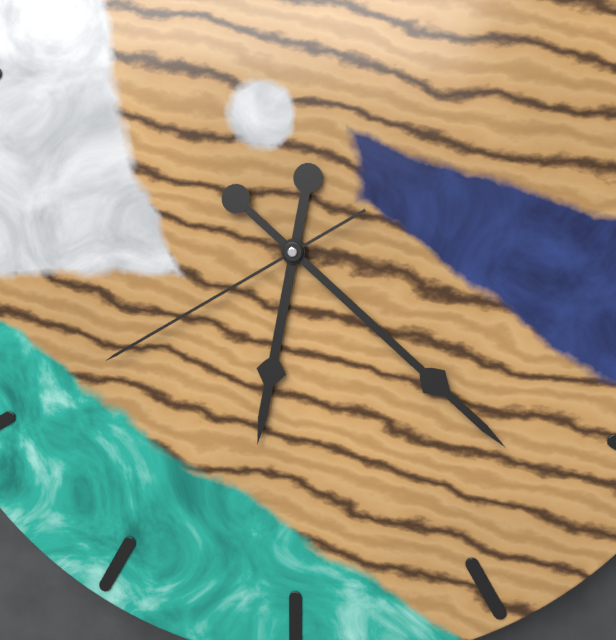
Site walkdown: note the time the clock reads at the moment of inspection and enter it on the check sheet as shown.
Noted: 6:22:40
